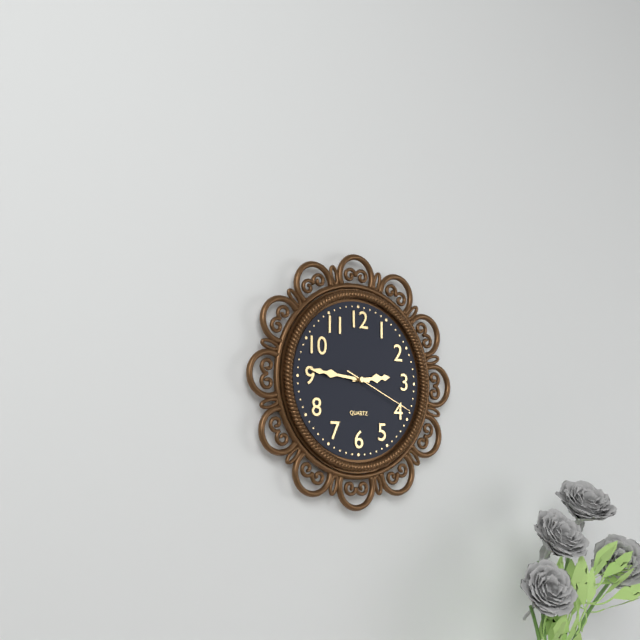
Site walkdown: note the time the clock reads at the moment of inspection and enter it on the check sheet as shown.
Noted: 2:46:19
